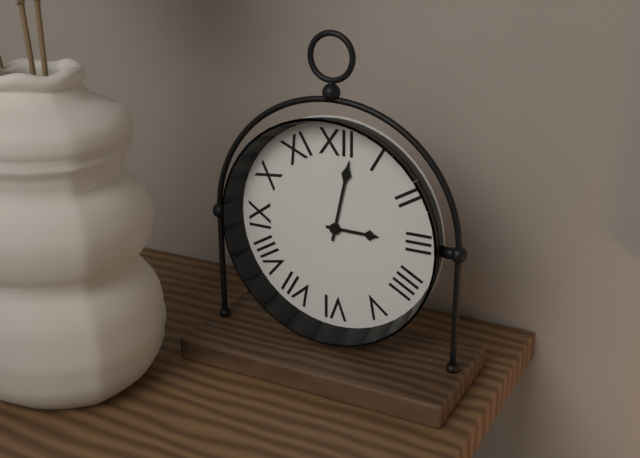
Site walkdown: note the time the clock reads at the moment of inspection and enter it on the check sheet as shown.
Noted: 3:02
